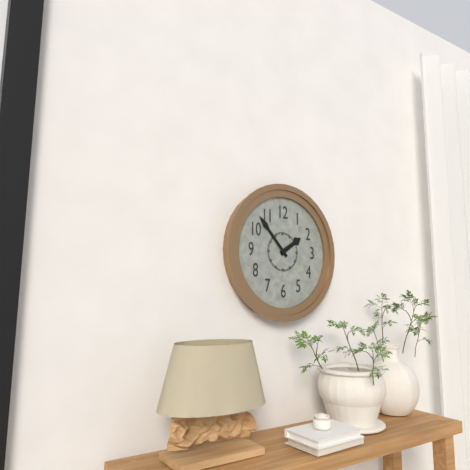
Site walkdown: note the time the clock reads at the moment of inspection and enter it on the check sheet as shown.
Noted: 1:53
